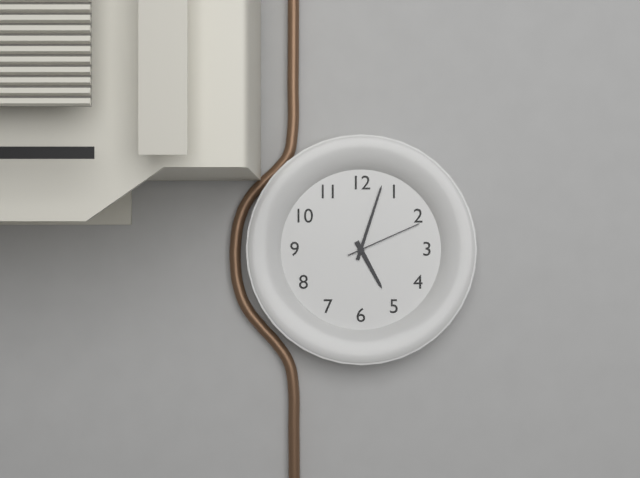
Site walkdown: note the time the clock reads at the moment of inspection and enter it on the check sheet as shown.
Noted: 5:03:11
